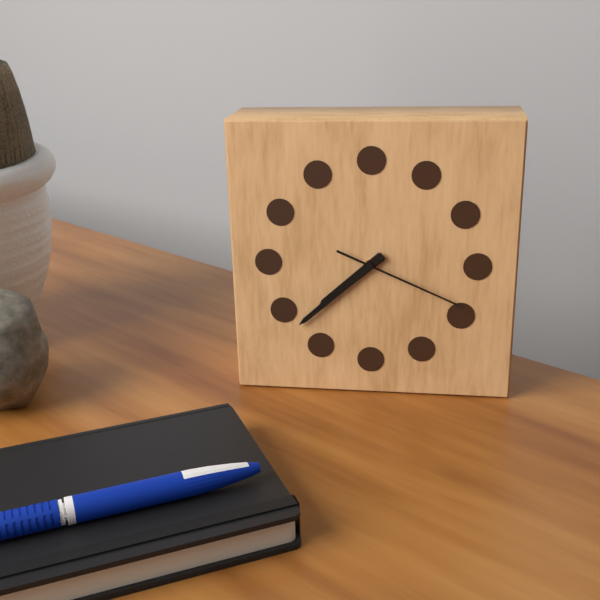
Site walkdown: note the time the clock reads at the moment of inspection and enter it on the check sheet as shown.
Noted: 7:38:19
